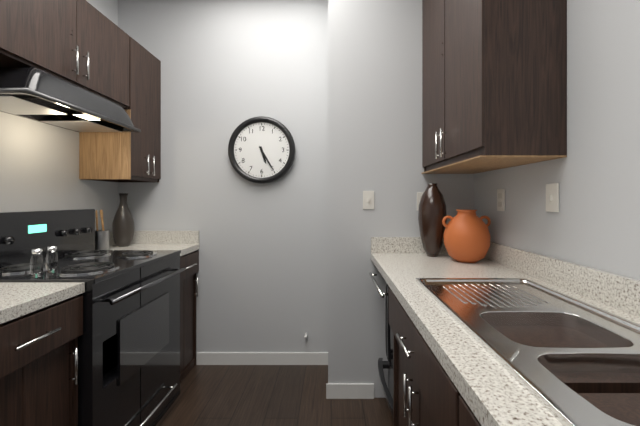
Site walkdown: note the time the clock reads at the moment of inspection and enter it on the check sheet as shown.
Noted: 5:25
